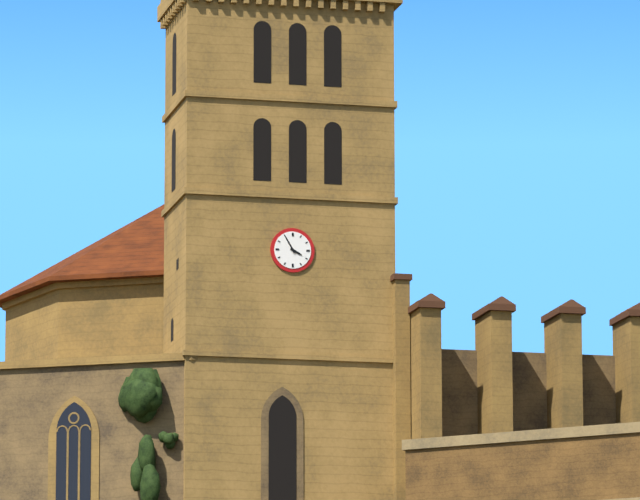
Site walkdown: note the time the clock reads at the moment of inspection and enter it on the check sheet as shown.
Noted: 3:55
